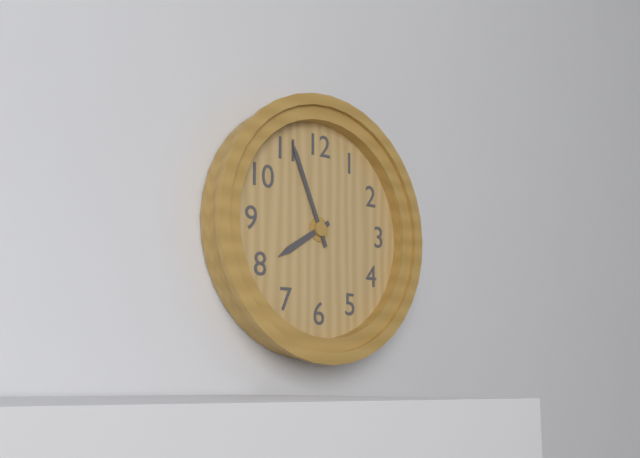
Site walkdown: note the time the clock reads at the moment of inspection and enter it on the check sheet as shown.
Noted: 7:56
